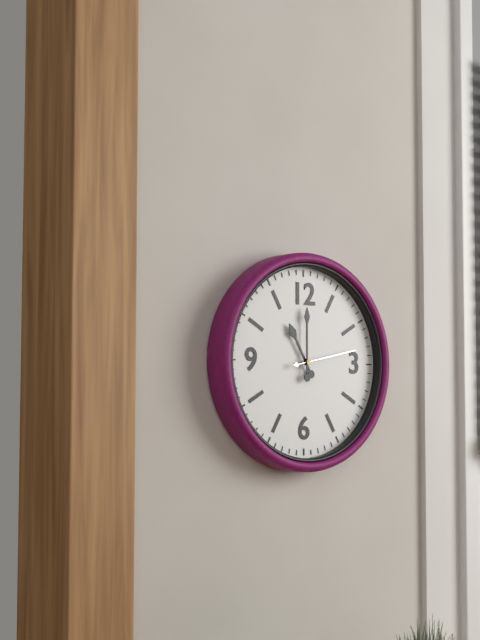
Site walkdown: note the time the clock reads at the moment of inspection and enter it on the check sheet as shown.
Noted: 11:00:13
